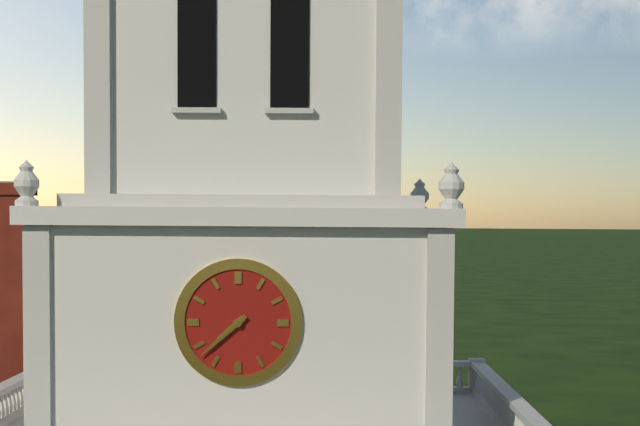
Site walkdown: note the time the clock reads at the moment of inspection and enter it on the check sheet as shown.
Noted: 7:38
